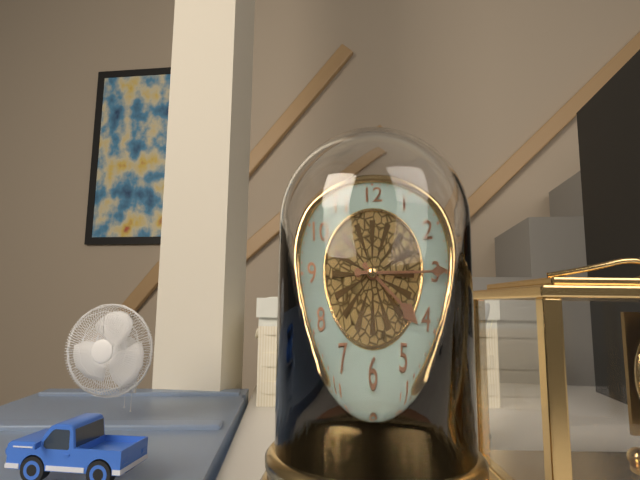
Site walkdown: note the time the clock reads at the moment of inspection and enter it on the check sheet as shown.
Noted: 4:15
